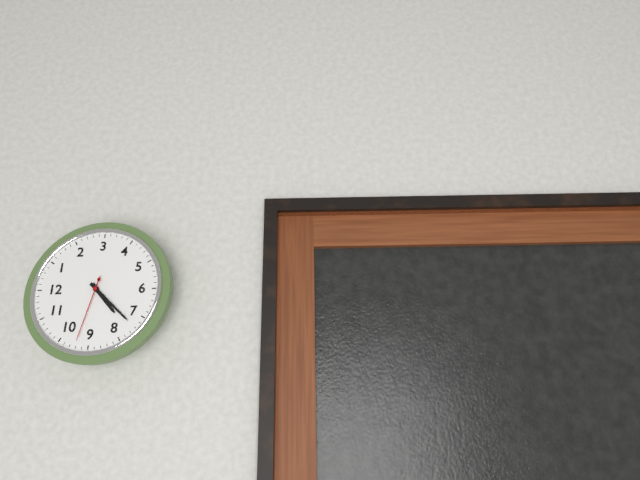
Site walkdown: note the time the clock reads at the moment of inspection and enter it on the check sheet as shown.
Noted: 7:37:47
